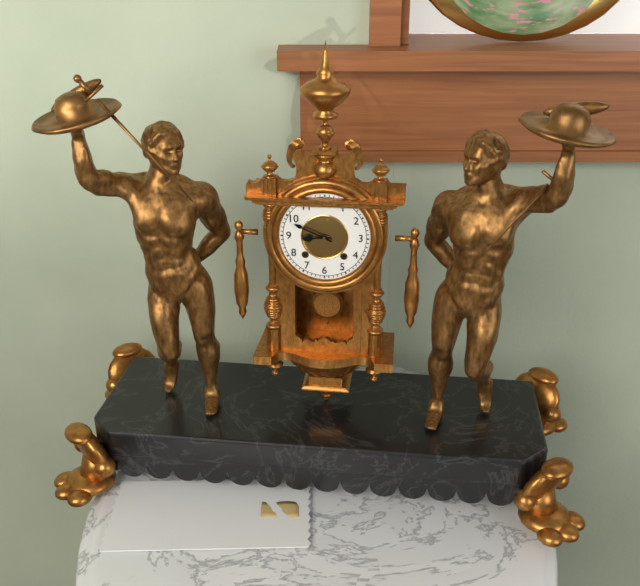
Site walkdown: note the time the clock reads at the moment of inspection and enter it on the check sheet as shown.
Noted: 8:49
